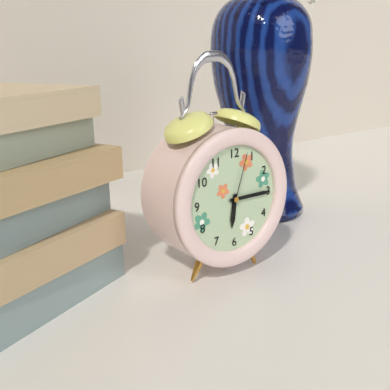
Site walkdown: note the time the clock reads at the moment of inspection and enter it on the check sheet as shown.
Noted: 6:15:03
